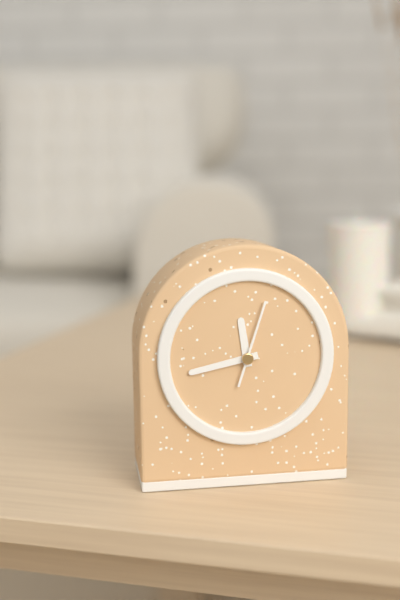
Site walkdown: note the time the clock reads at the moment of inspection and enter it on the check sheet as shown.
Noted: 11:43:03
